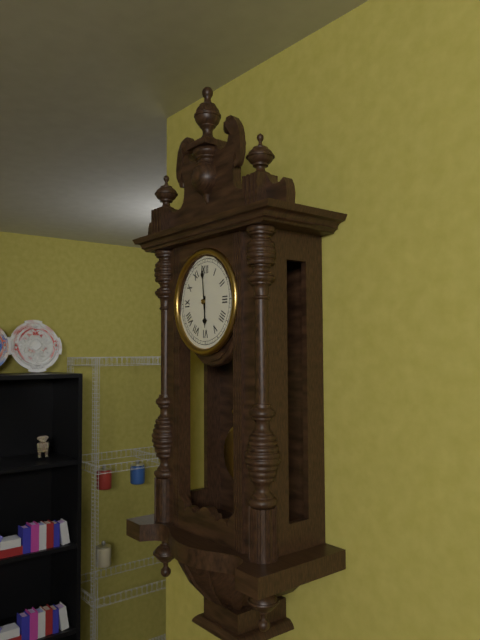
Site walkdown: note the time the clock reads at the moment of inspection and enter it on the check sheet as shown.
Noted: 5:59
